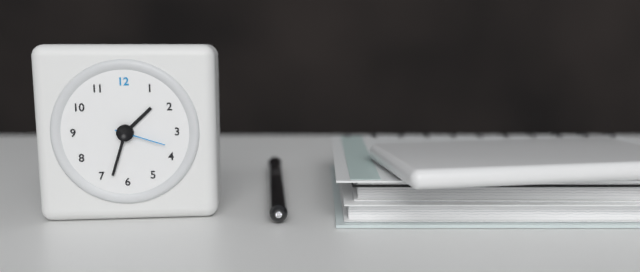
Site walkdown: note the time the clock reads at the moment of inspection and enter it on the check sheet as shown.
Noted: 1:33:18
